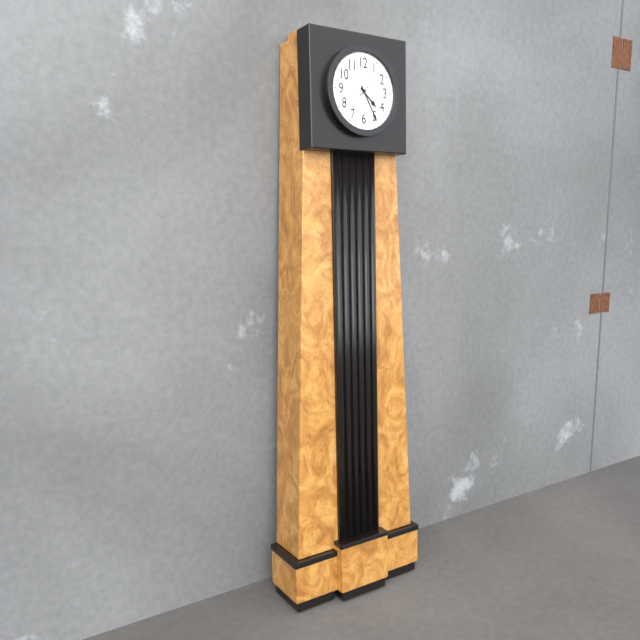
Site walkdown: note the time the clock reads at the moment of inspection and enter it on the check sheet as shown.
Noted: 4:25
